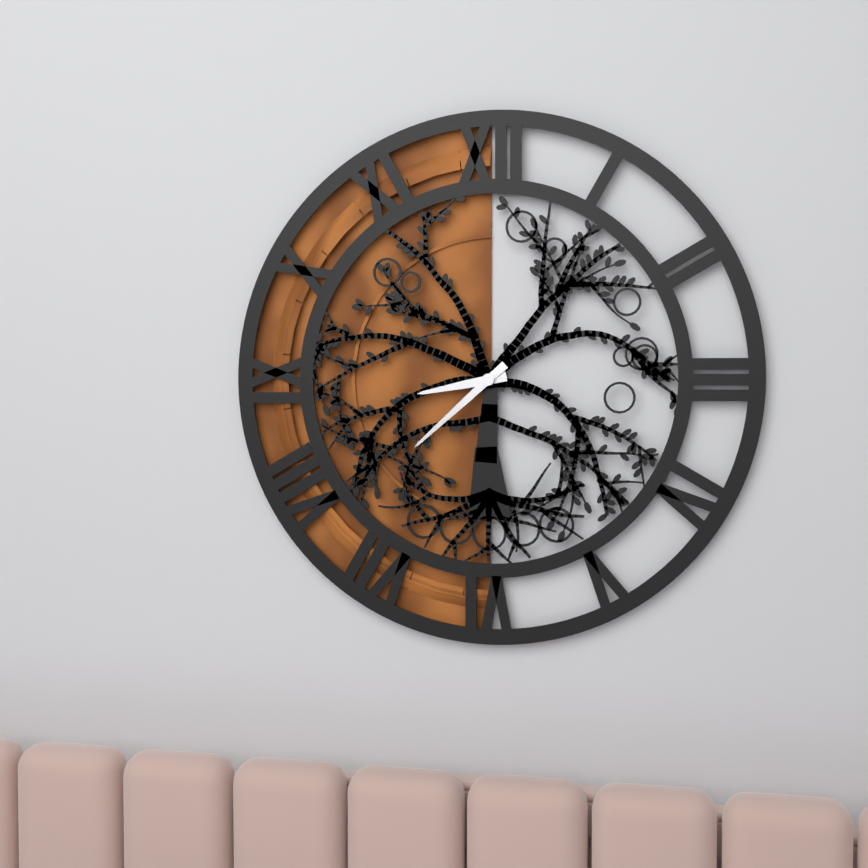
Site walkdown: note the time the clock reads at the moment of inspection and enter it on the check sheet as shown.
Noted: 8:38
